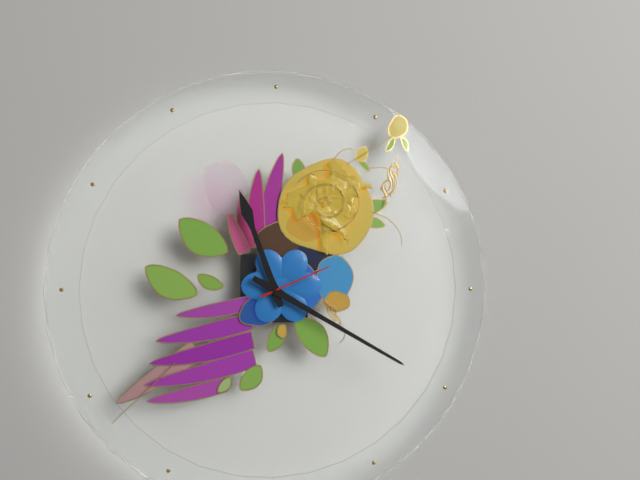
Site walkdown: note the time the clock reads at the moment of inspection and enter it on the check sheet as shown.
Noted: 11:20:11
